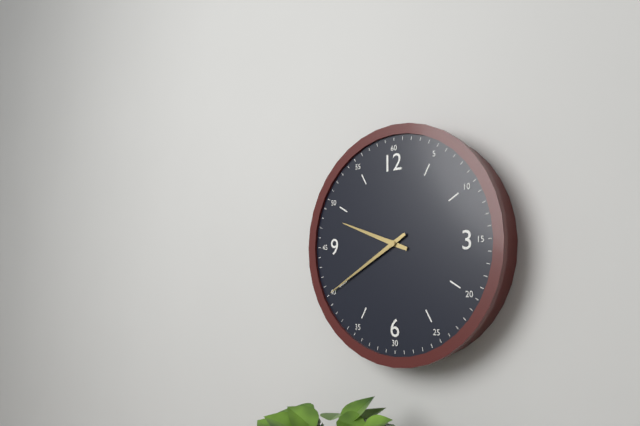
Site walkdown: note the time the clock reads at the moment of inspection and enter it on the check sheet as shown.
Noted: 9:40
